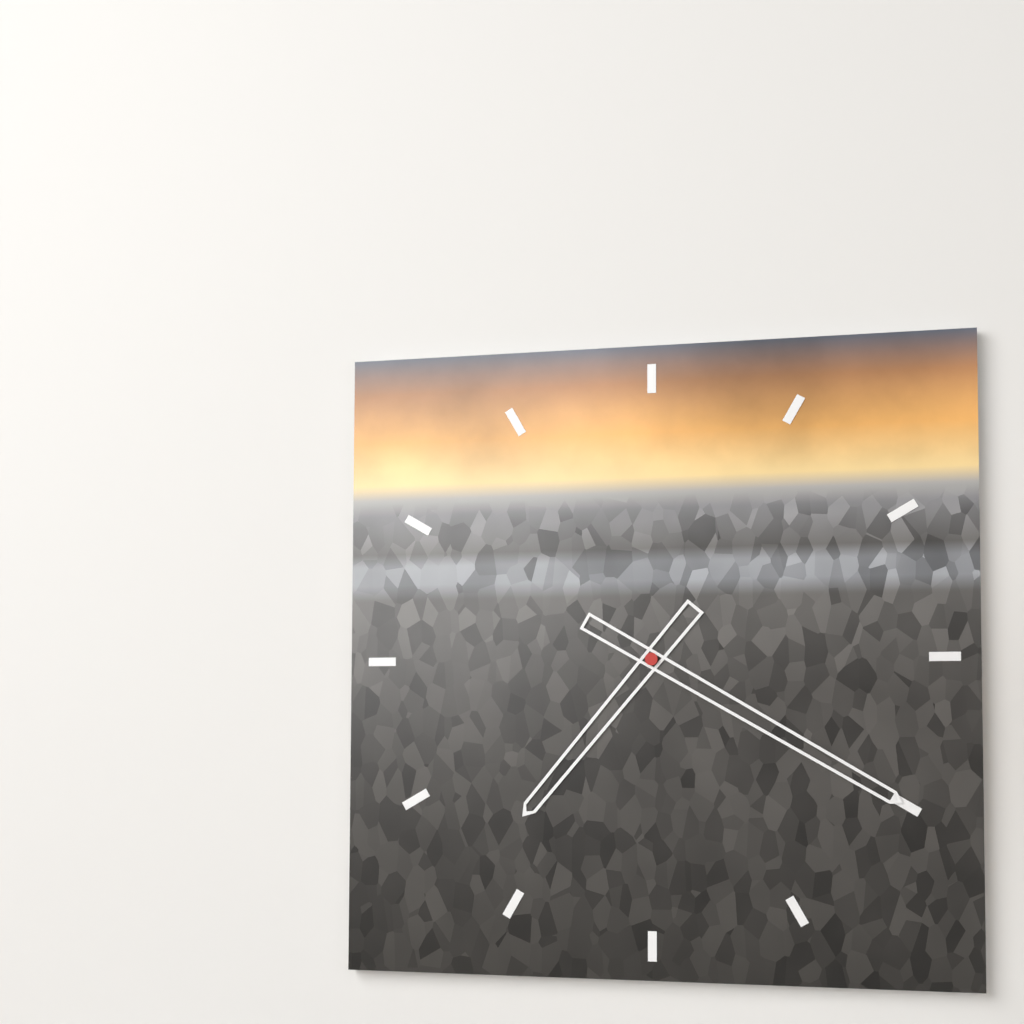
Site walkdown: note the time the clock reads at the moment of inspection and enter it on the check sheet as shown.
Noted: 7:20
